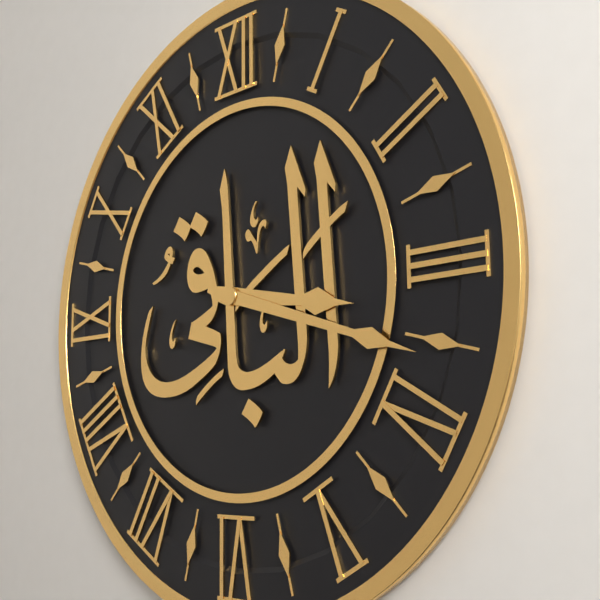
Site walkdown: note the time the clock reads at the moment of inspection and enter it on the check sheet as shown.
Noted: 3:18
